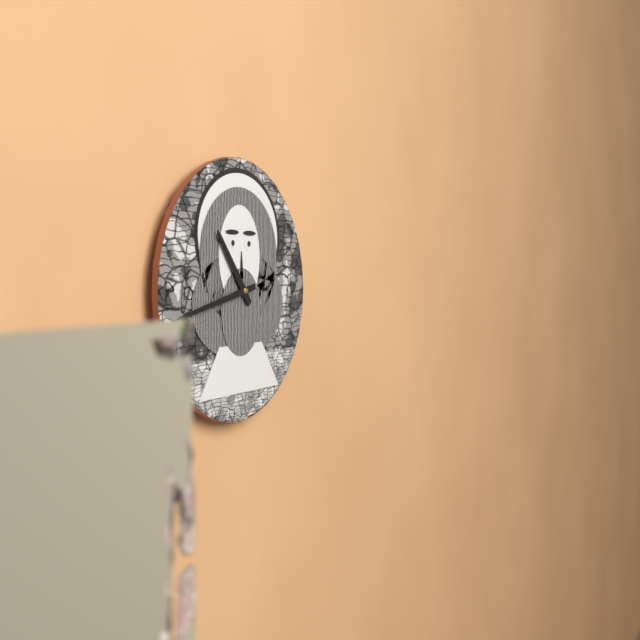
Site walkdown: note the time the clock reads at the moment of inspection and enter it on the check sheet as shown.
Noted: 10:43
